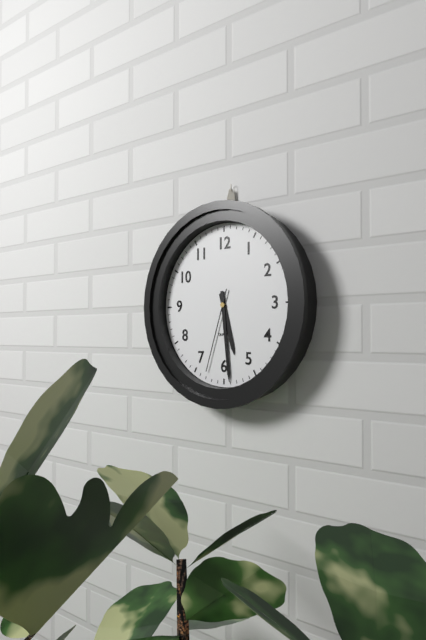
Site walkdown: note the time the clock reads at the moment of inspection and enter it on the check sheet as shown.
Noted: 5:29:33
